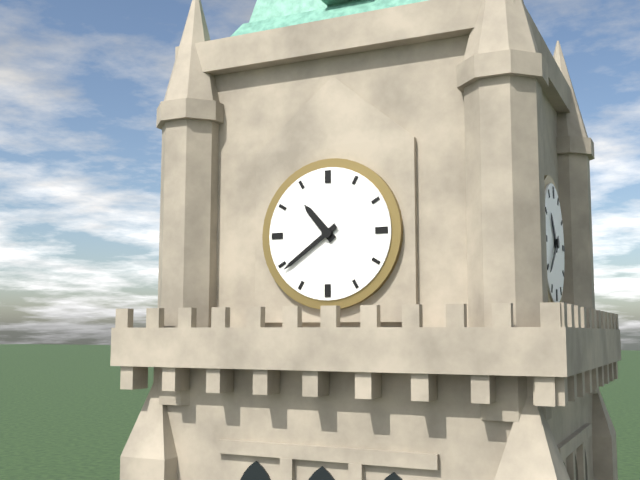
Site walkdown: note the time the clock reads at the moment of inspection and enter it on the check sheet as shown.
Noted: 10:39
